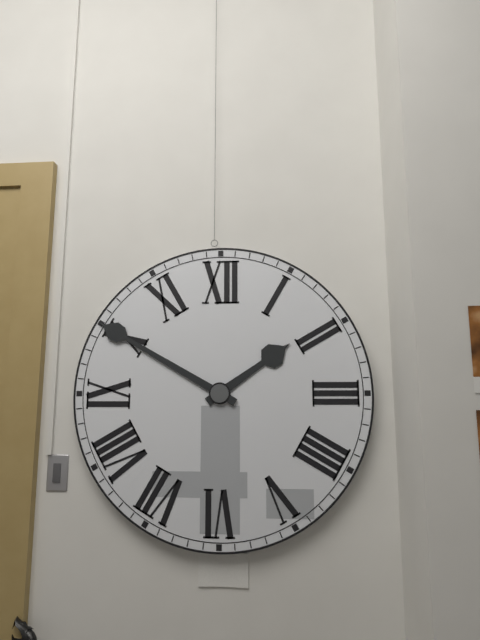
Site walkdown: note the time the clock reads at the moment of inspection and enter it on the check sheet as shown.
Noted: 1:50
